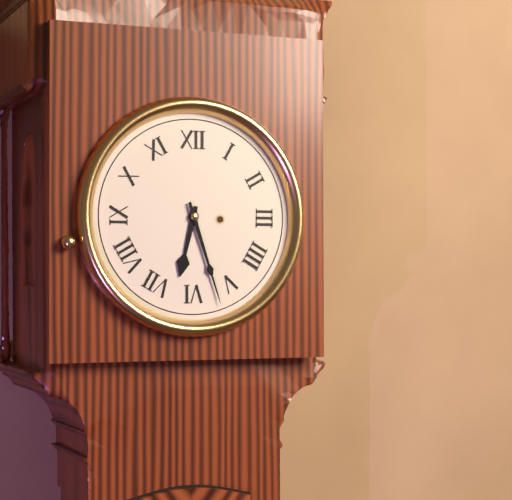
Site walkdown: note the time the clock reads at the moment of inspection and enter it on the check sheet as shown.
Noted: 6:27
